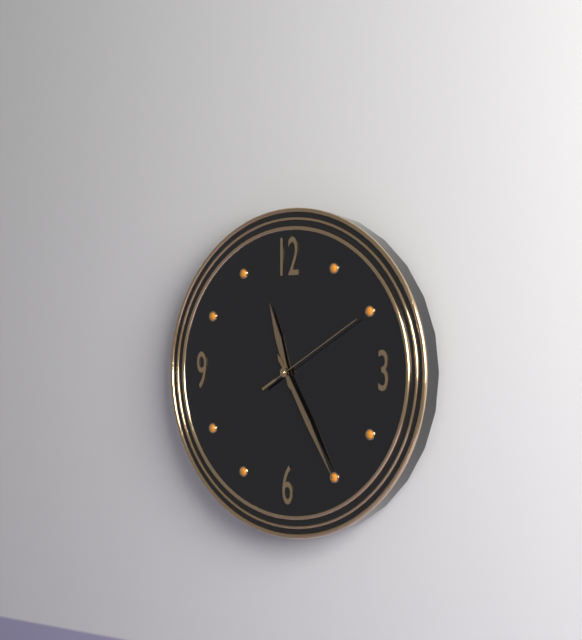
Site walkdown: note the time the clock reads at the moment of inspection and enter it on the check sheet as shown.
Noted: 11:25:10
